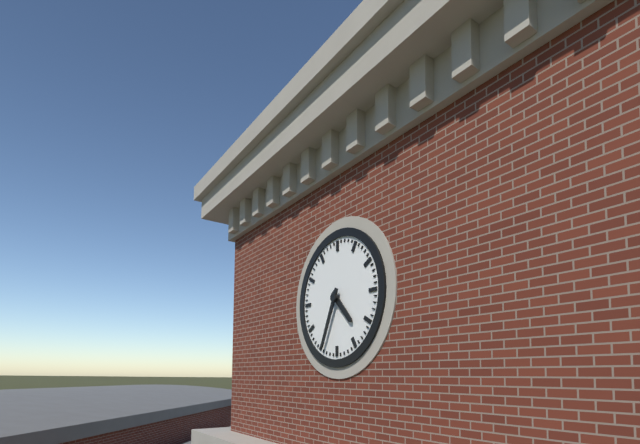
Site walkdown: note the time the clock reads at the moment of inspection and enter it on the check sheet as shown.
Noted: 4:34
